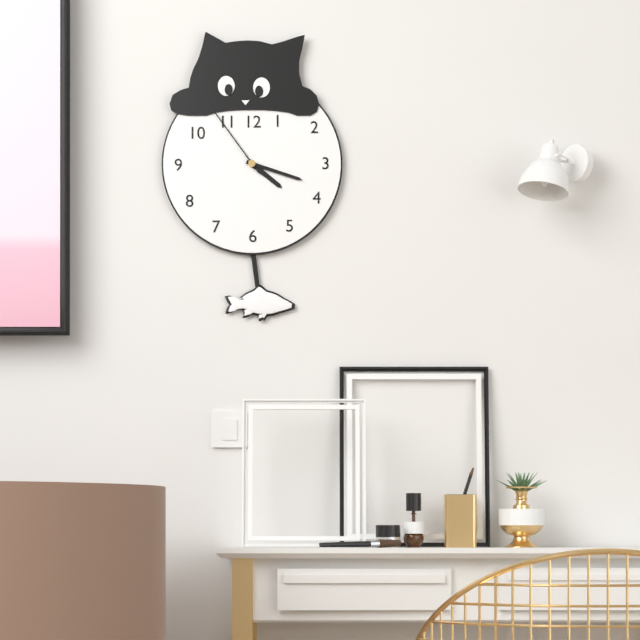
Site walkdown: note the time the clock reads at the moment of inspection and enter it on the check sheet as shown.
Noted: 4:18:54
